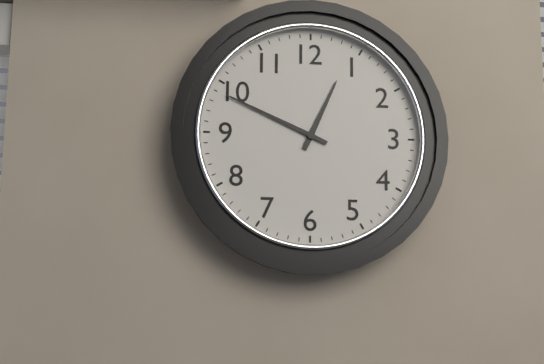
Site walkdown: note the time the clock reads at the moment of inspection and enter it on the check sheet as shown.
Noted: 12:49
